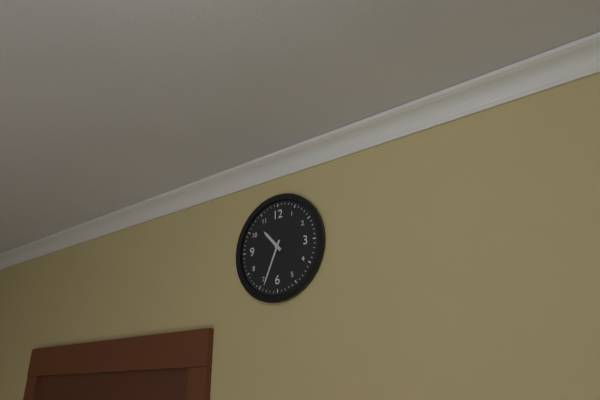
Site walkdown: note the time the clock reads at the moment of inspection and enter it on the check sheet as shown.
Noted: 10:34
